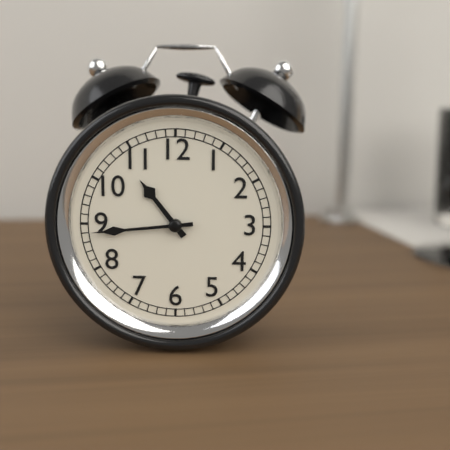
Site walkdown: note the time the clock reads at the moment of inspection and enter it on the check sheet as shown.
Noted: 10:44
